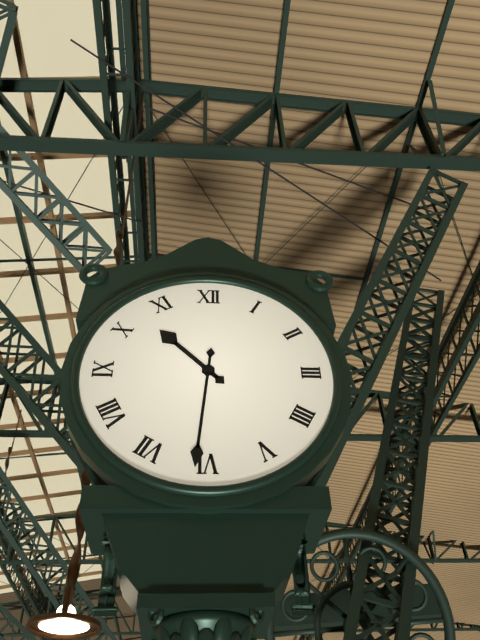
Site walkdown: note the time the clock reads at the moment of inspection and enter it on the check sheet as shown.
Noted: 10:31
